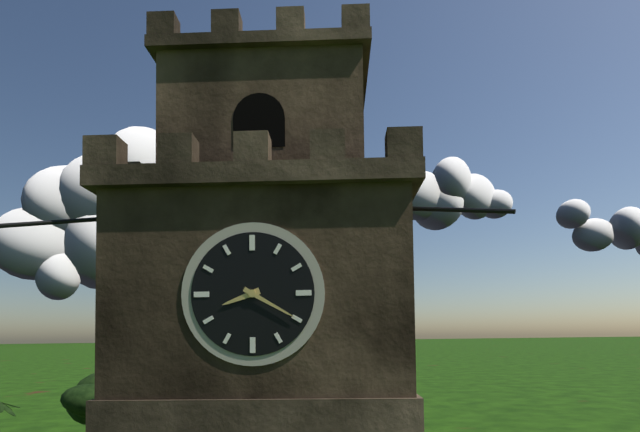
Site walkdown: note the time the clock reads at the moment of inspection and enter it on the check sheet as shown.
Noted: 8:20
